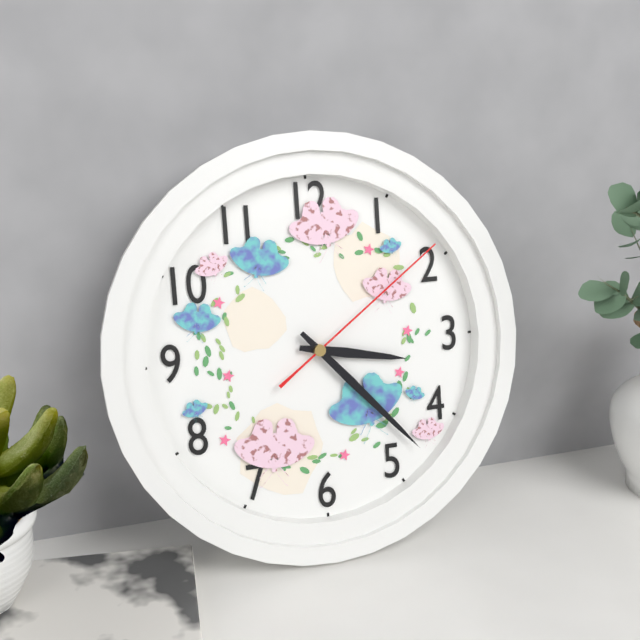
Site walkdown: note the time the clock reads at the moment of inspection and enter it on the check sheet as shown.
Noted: 3:23:09
